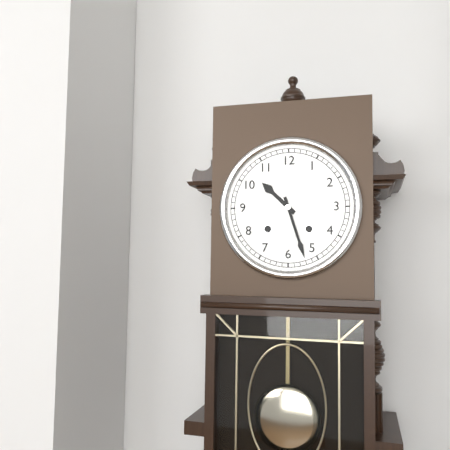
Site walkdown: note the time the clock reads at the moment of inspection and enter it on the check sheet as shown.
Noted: 10:27
